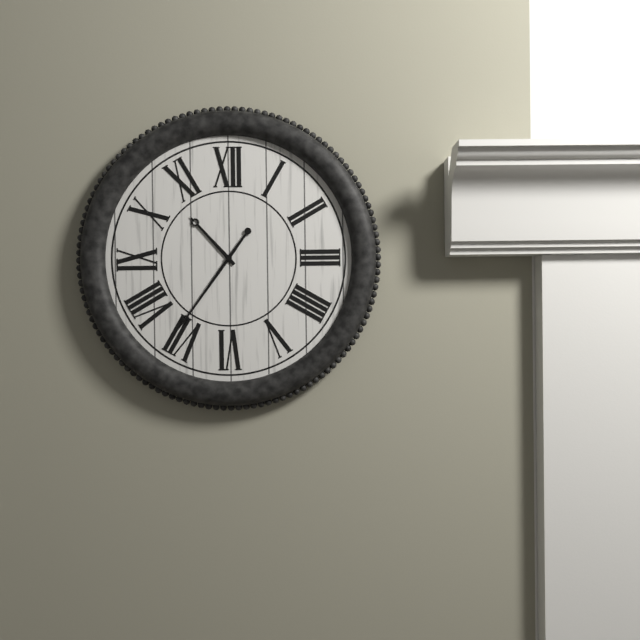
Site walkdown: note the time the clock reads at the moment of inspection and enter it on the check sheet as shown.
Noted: 10:36
